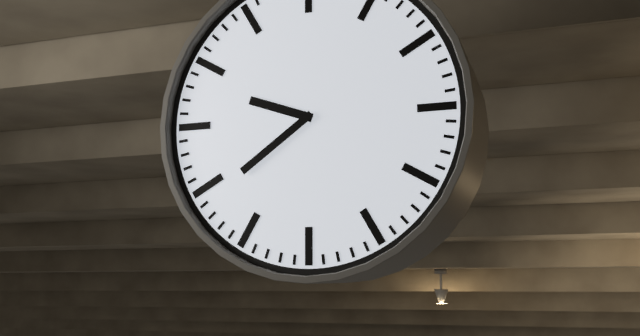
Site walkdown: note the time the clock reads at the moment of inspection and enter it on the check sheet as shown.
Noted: 9:39
